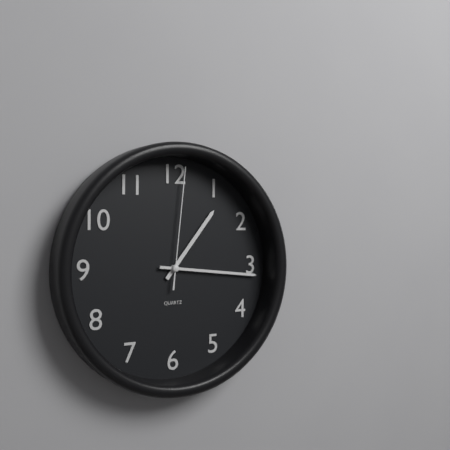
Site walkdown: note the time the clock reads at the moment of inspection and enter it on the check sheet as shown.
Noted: 1:16:01
